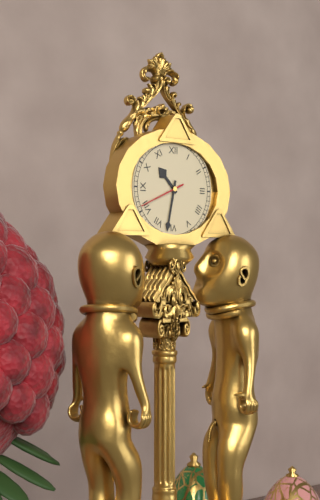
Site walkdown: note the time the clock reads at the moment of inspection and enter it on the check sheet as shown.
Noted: 10:32
